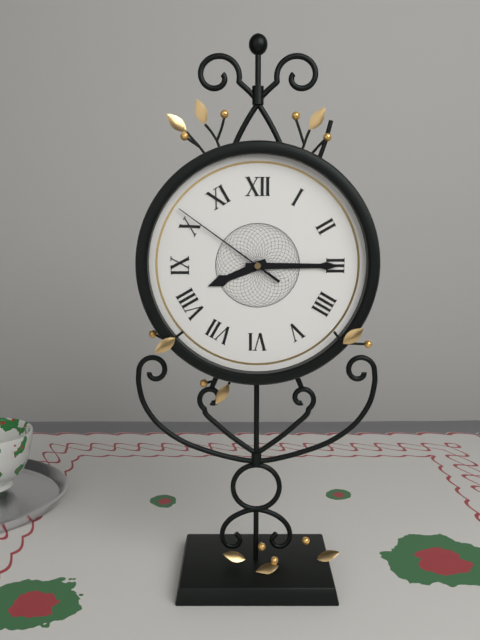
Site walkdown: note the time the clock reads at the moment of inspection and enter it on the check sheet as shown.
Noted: 8:15:51
